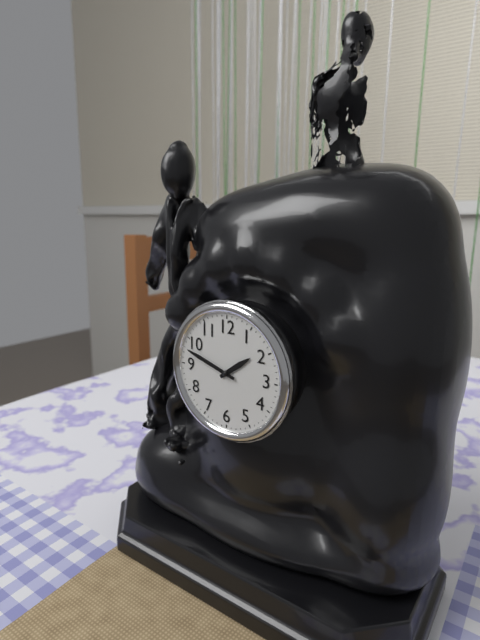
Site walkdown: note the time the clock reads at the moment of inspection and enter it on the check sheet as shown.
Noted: 1:48
